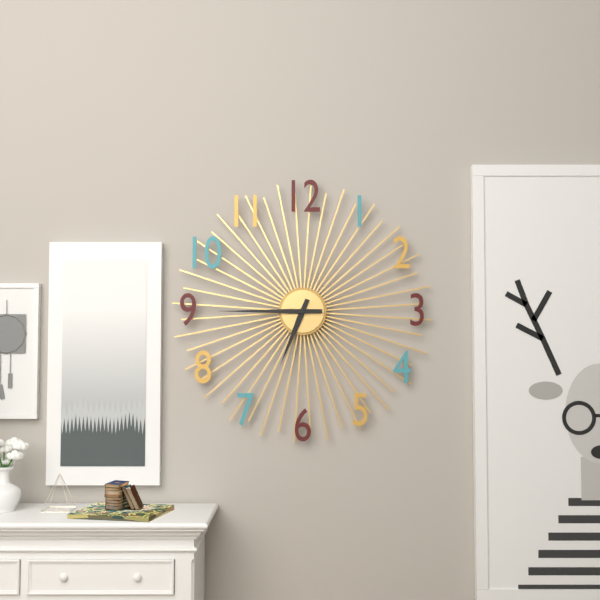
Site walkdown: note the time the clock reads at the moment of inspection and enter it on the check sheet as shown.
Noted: 6:45
